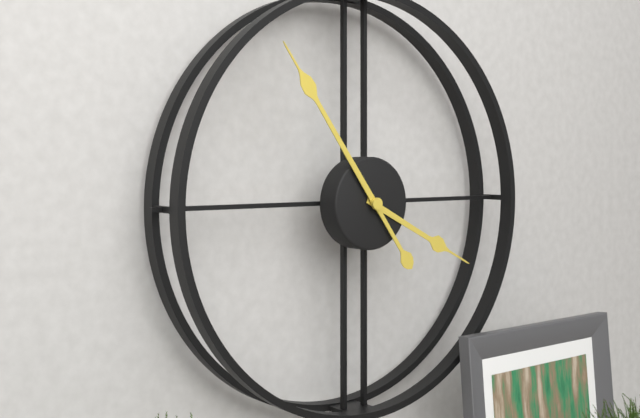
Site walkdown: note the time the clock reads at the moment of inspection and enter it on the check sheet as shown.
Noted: 3:54
